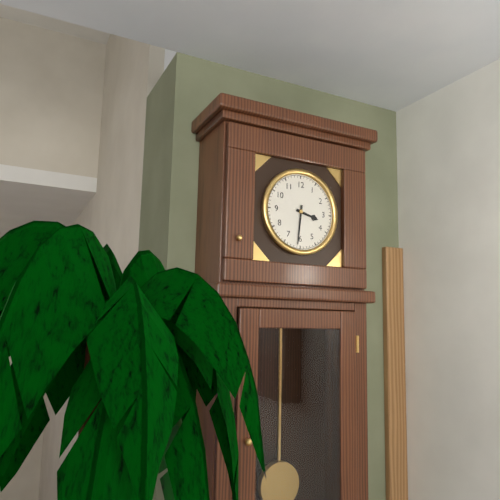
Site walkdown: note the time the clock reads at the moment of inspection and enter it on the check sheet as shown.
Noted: 3:31
